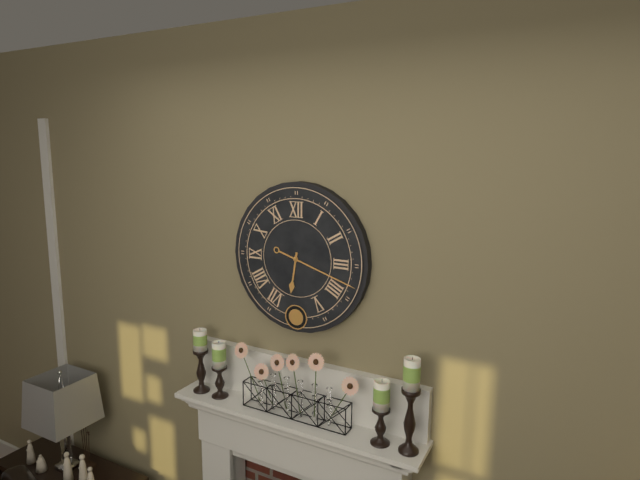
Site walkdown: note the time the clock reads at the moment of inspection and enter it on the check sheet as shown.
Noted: 6:18
